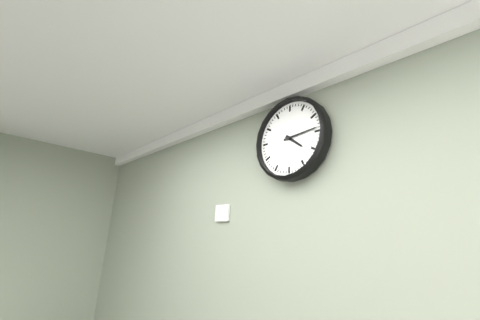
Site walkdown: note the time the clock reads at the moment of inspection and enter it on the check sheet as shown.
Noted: 4:14
